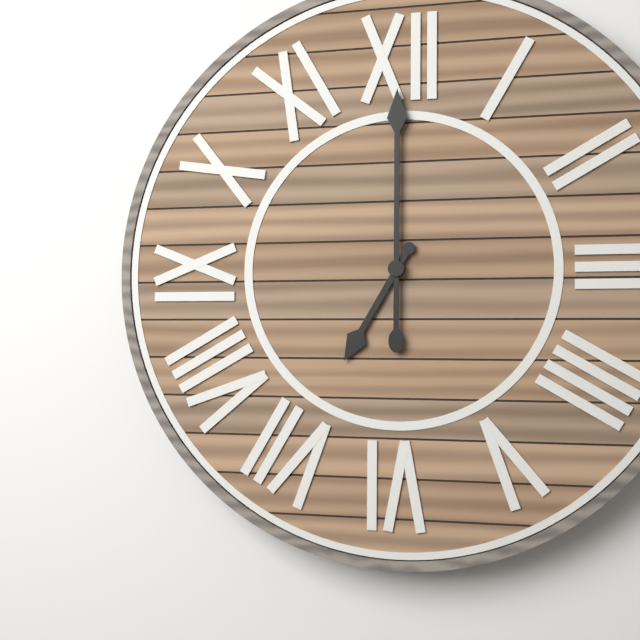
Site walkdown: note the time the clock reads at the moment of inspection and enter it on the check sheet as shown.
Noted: 7:00
